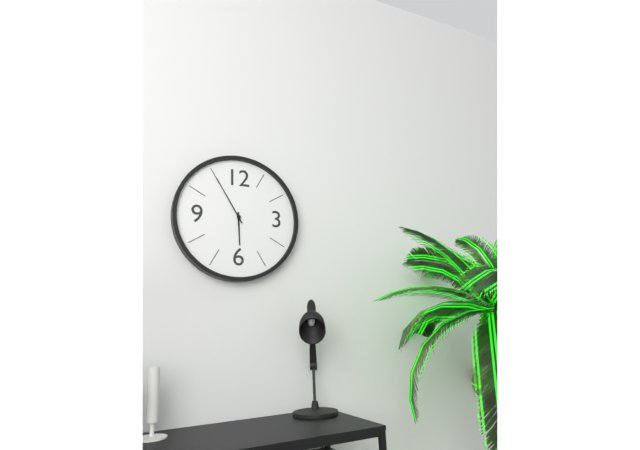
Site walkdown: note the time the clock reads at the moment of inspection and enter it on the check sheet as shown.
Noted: 5:55
